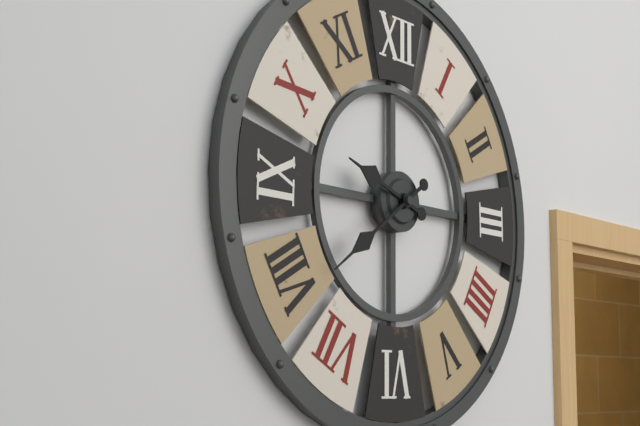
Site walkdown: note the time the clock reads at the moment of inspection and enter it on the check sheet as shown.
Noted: 9:39
